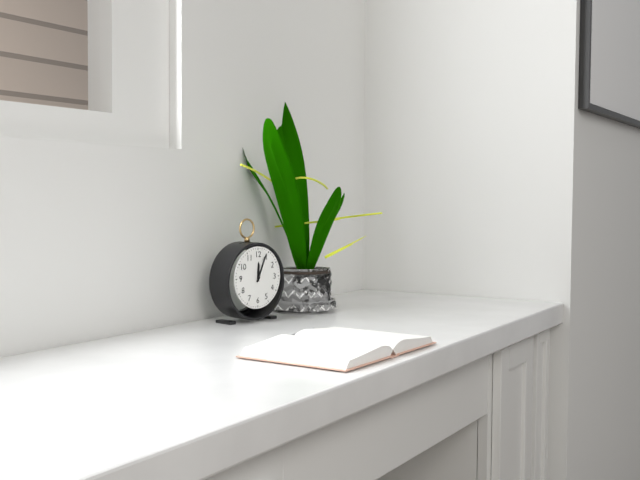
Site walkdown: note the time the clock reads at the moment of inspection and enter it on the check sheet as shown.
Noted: 12:04
